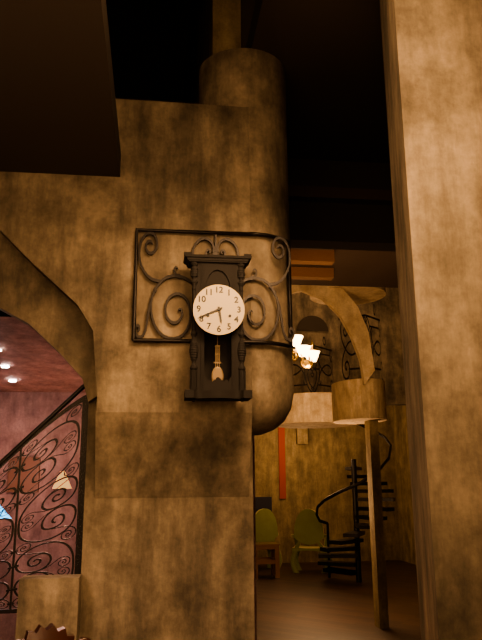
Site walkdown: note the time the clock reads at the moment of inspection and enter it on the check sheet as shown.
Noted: 5:41
